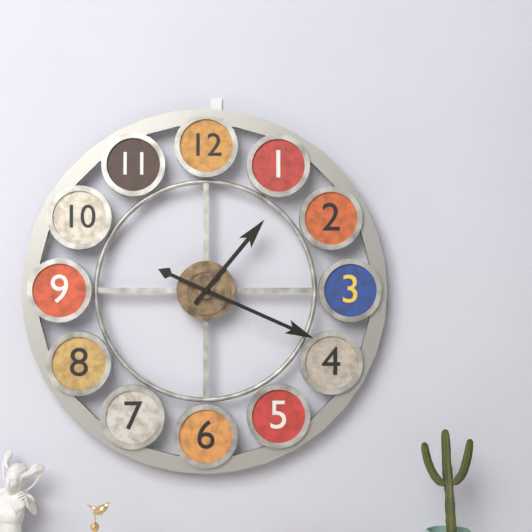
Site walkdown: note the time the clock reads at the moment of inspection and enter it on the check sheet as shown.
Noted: 1:19
